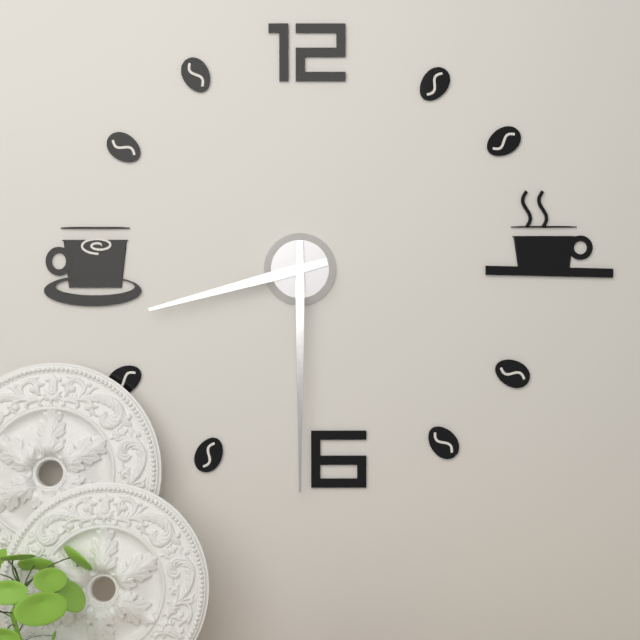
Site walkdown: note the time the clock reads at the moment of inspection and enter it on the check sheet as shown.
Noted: 8:30
